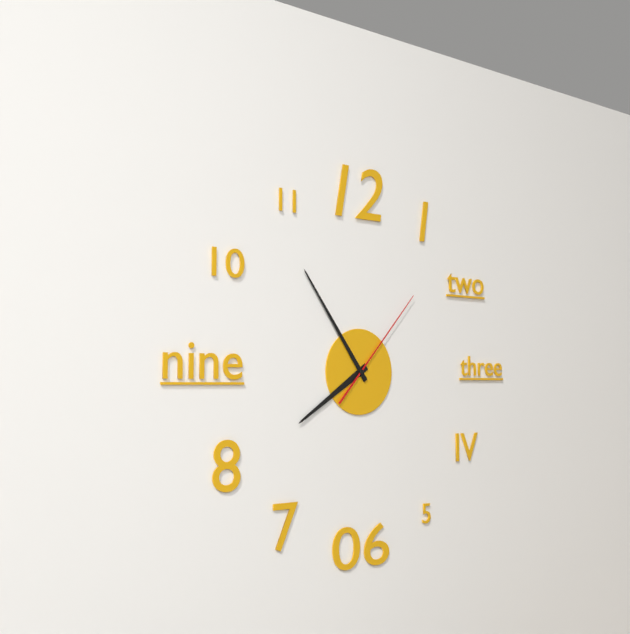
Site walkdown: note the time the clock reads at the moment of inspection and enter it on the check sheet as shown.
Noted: 7:54:07
